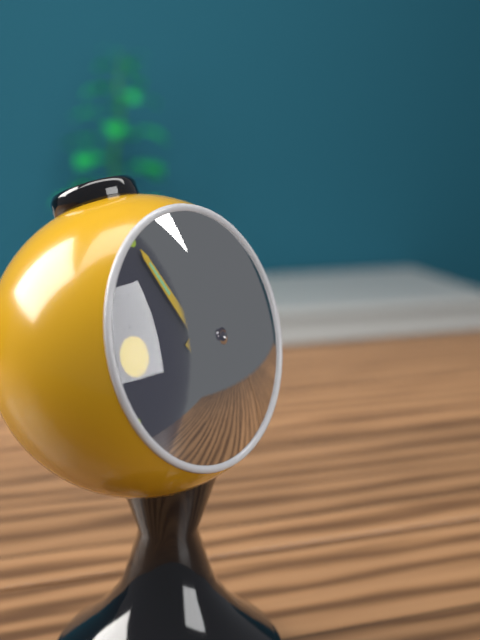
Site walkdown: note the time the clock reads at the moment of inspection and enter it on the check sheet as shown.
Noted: 1:55:31
